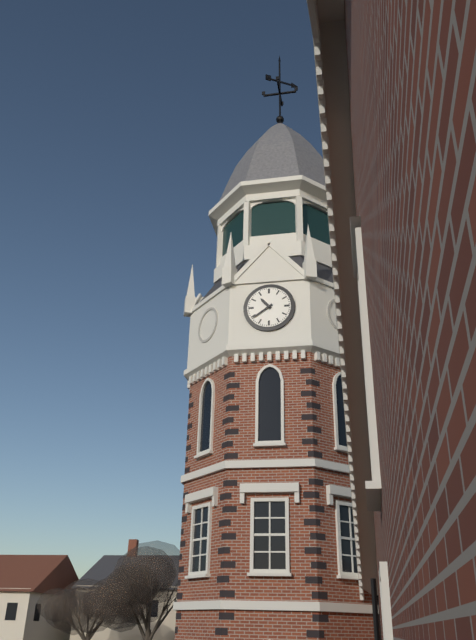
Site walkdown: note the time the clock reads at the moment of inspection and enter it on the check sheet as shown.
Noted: 10:39
